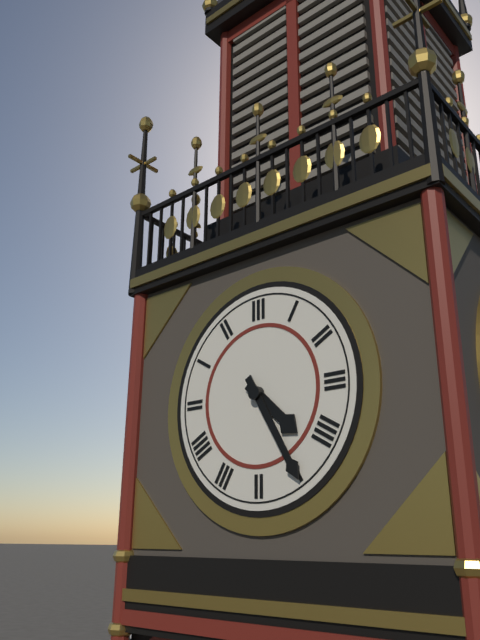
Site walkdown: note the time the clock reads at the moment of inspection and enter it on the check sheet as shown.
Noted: 4:25
